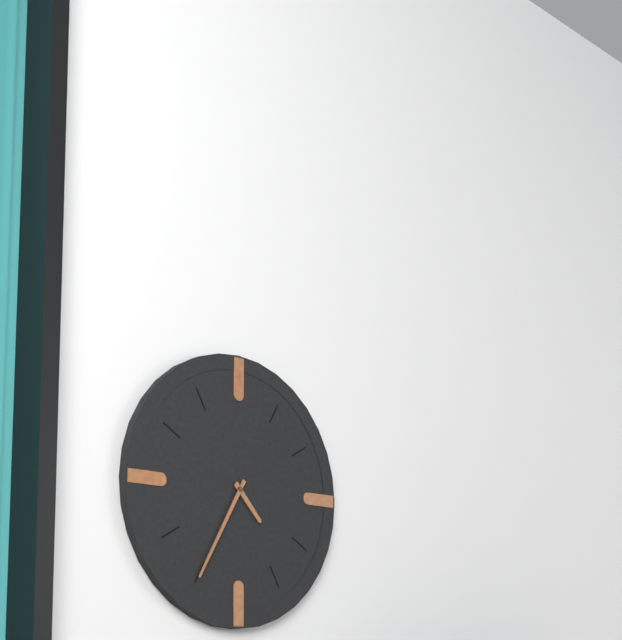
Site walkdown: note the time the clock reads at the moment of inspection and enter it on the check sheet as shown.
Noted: 4:35
